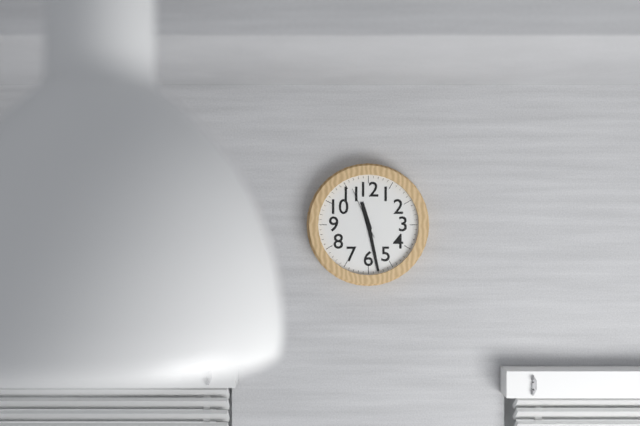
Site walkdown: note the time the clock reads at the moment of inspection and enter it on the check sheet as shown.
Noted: 11:28
